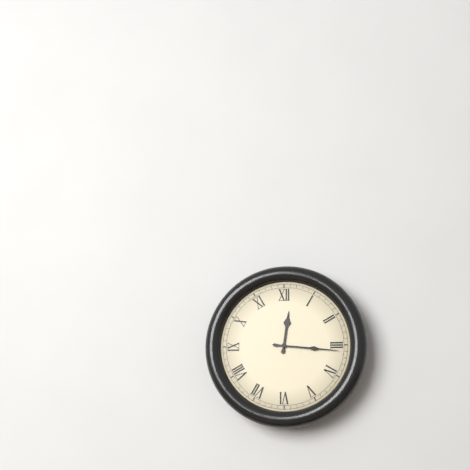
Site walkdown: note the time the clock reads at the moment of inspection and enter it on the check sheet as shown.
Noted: 12:16
